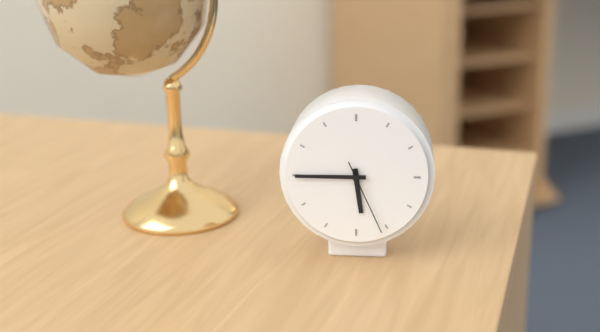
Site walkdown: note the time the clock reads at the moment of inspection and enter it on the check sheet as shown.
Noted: 5:45:26
